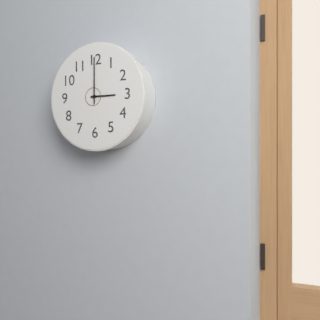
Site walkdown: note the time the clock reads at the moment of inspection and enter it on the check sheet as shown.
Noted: 3:00
